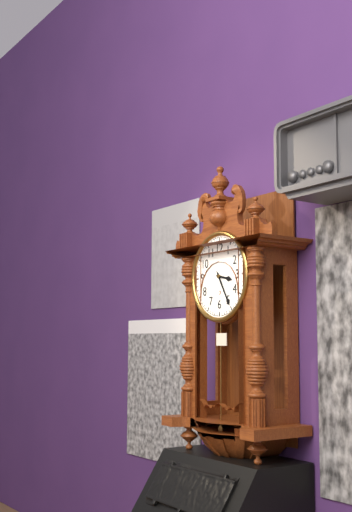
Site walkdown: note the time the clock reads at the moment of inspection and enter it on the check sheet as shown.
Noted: 3:25
